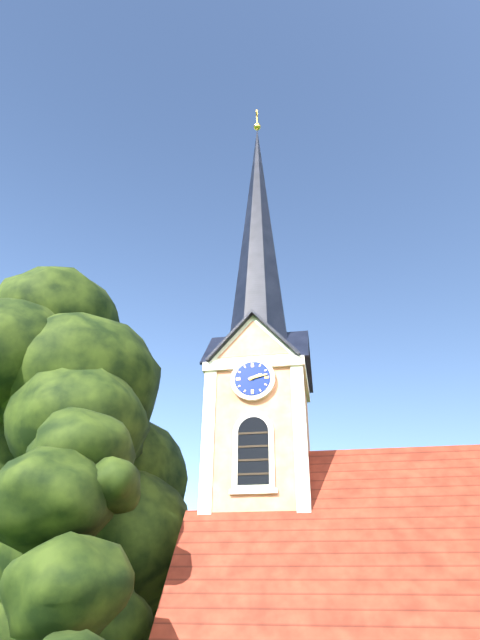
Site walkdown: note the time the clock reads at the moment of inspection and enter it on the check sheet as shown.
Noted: 2:13
